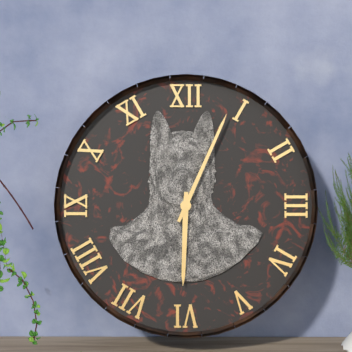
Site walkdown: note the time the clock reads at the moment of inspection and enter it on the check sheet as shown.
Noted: 6:04
